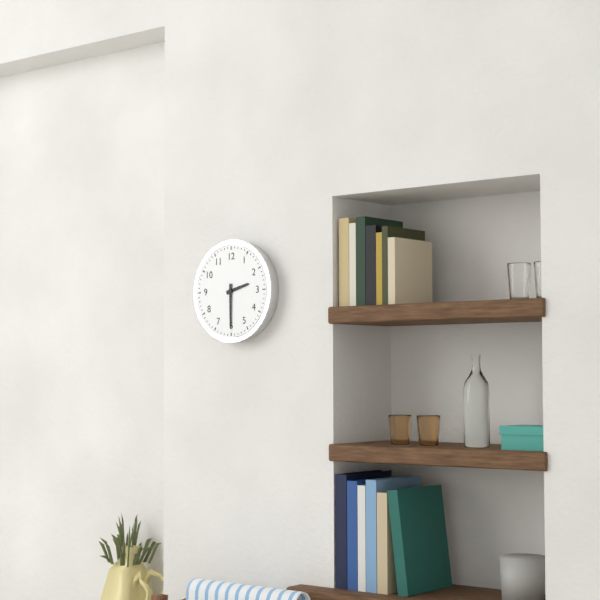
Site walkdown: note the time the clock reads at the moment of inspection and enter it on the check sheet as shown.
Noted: 2:30
